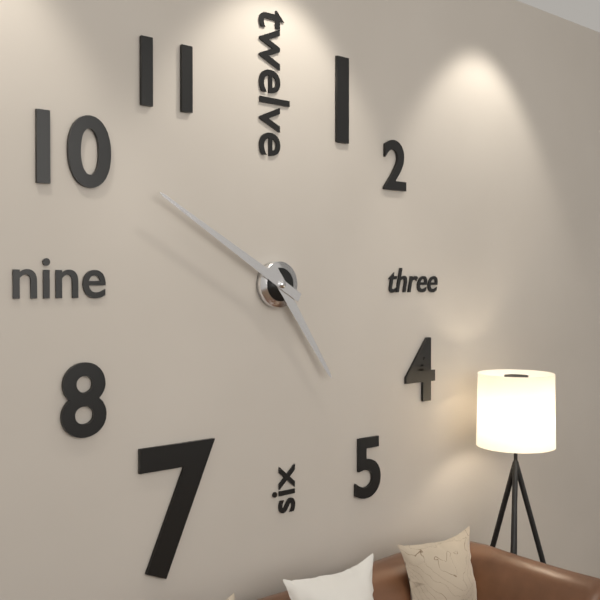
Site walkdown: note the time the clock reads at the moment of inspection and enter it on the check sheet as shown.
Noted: 4:50
